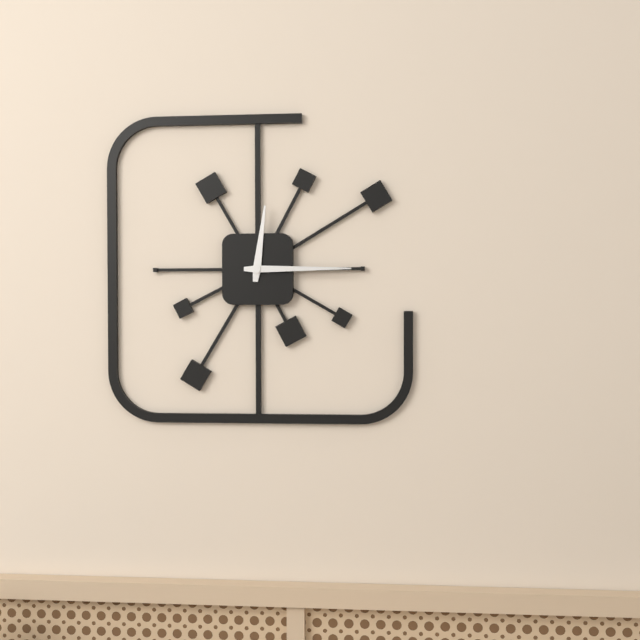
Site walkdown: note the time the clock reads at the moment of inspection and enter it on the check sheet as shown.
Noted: 12:15
